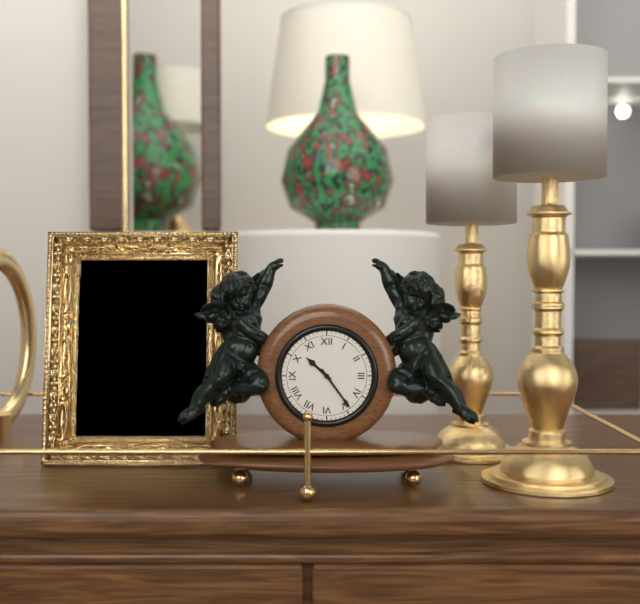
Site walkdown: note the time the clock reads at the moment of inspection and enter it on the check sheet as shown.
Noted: 10:24
